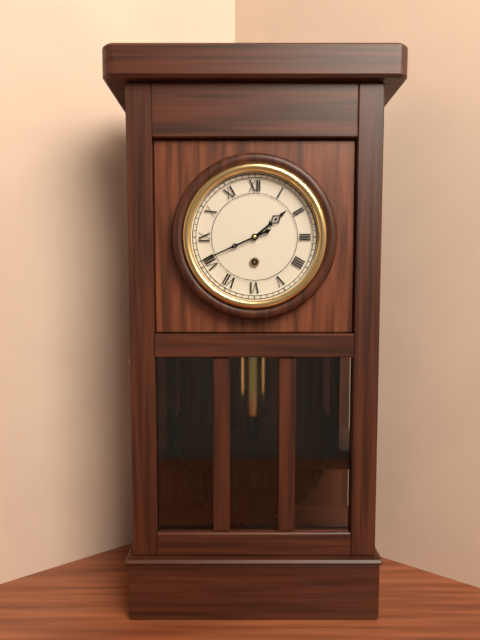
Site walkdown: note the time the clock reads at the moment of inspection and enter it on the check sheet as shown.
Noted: 1:41
